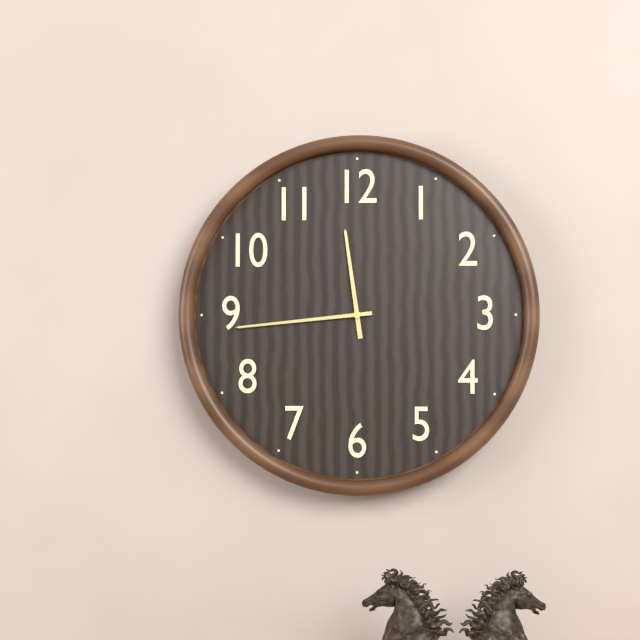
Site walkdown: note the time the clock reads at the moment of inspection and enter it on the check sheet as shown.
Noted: 11:44
